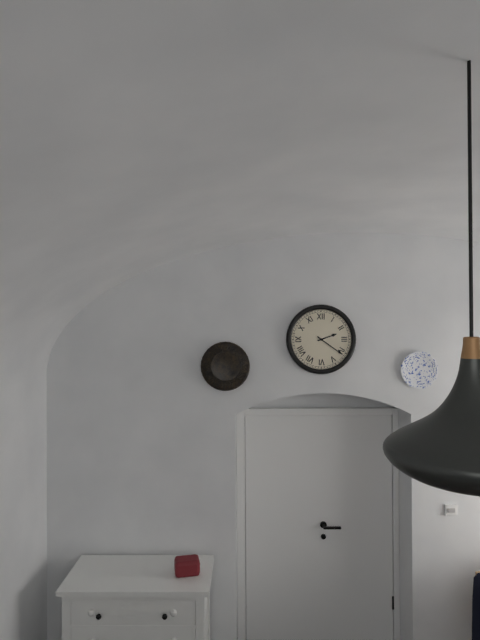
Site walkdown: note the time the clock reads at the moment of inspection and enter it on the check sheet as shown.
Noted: 2:21
